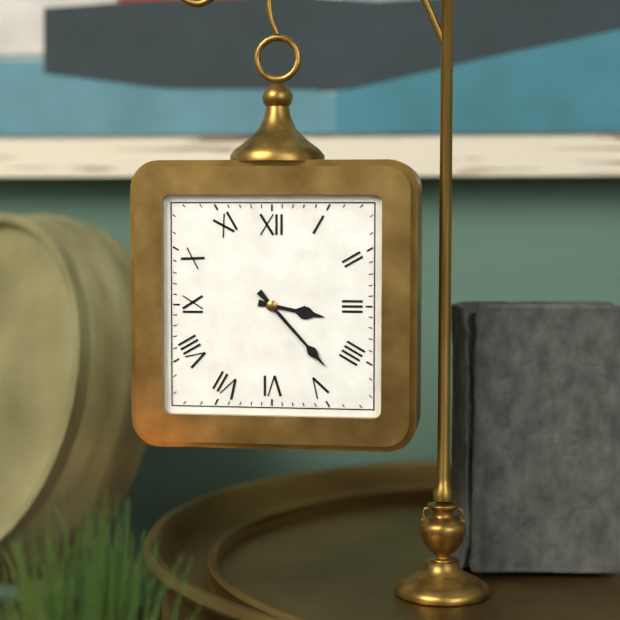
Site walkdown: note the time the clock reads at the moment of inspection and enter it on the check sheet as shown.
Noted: 3:23
